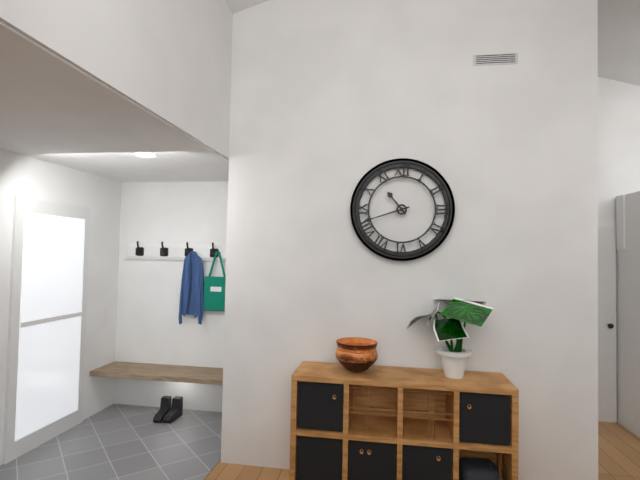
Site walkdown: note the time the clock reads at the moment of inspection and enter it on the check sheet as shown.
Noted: 10:42
